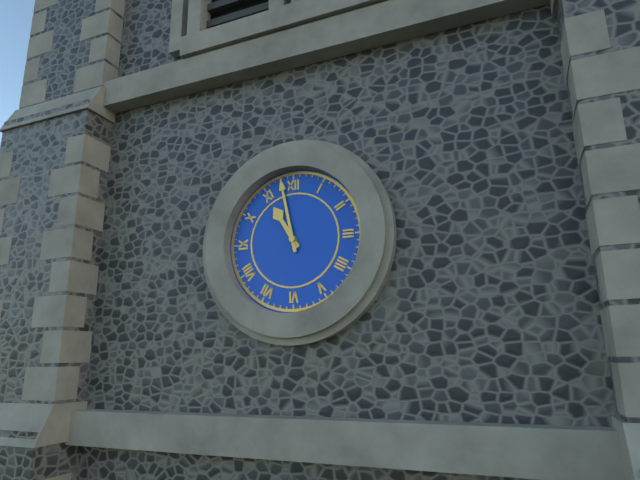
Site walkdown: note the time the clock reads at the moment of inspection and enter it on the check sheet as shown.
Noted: 10:58
